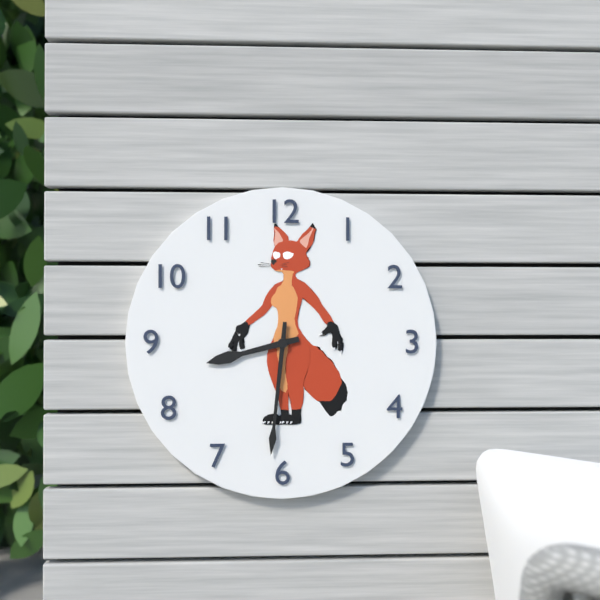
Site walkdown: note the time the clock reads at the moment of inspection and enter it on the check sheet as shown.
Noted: 8:31
